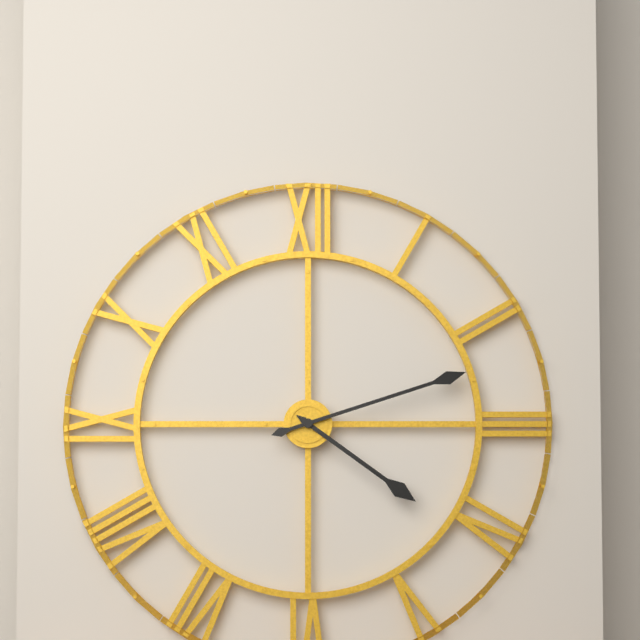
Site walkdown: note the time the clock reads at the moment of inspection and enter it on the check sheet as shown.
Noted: 4:12
